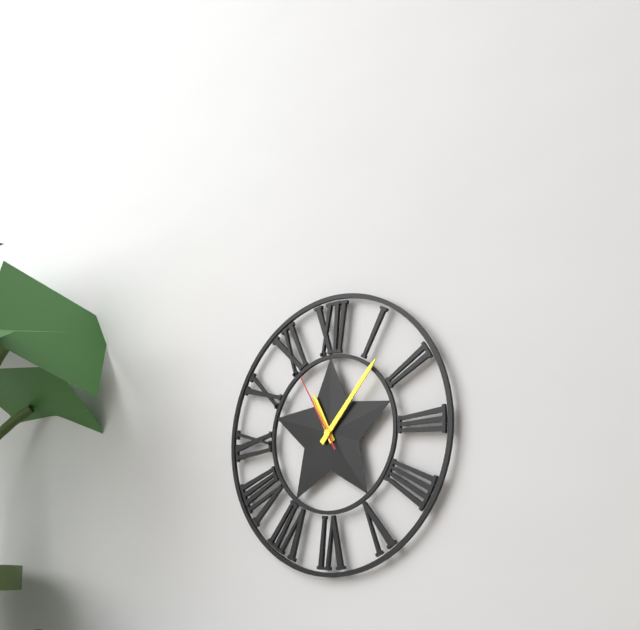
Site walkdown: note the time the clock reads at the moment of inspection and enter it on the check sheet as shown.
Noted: 11:07:55
